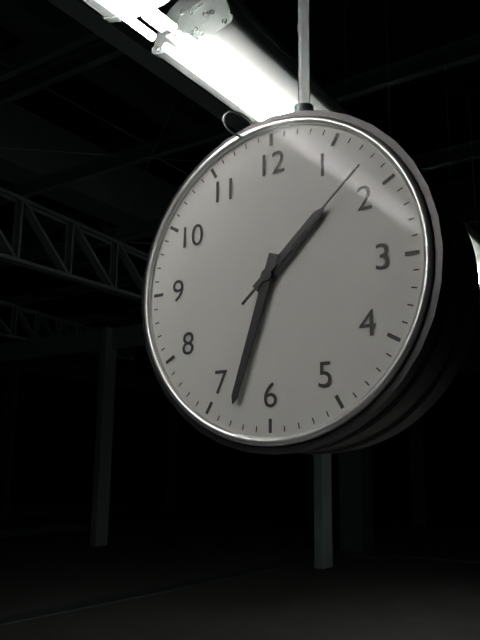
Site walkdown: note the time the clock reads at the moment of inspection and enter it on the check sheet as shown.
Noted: 1:33:08
